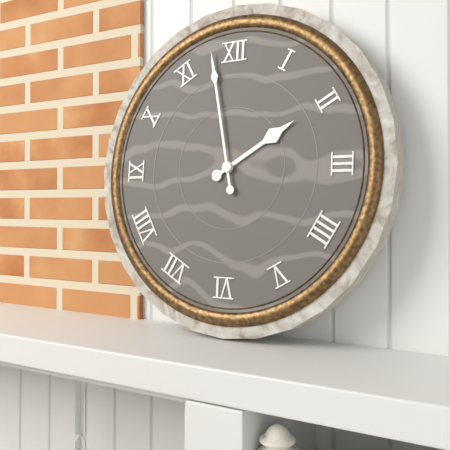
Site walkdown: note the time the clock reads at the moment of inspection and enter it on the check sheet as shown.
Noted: 1:58
